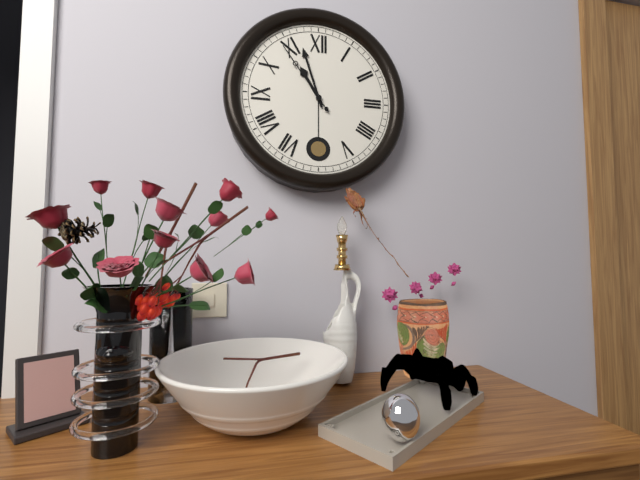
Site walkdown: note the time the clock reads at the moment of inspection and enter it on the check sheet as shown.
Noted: 10:57:54
